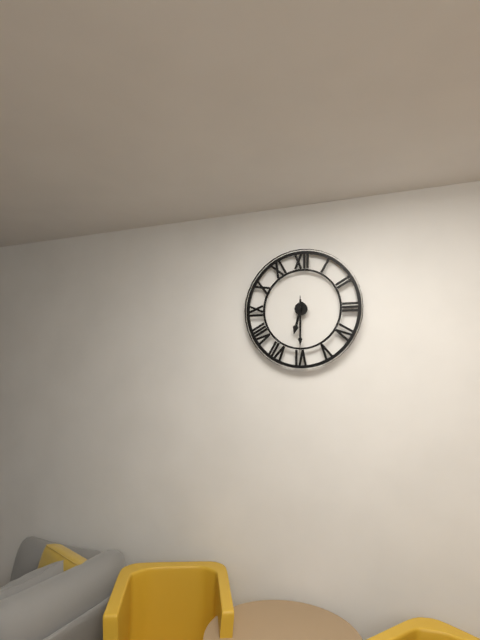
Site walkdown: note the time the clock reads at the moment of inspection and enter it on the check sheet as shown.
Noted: 6:30:30
